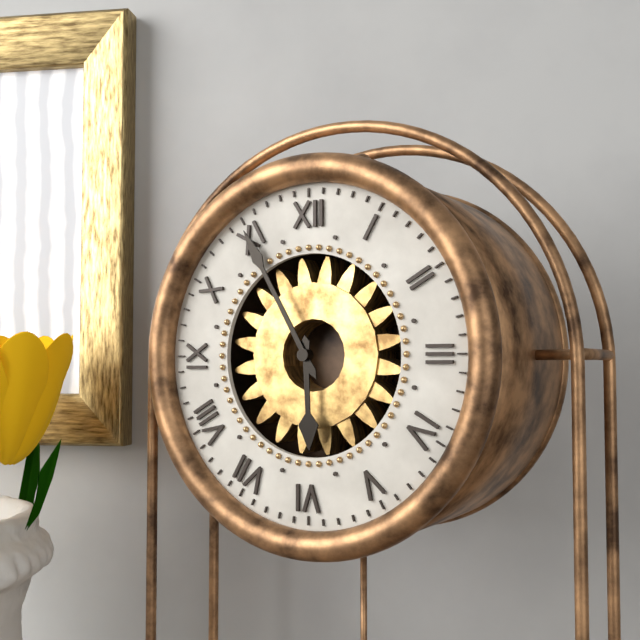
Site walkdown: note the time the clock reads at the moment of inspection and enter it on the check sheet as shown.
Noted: 5:55
